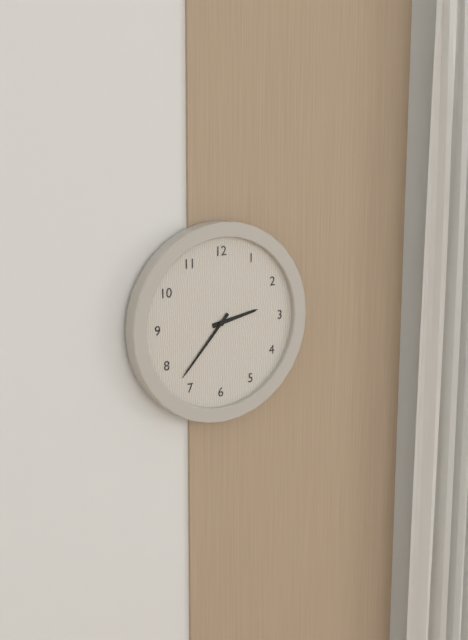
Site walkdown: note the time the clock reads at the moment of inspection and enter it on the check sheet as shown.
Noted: 2:37
